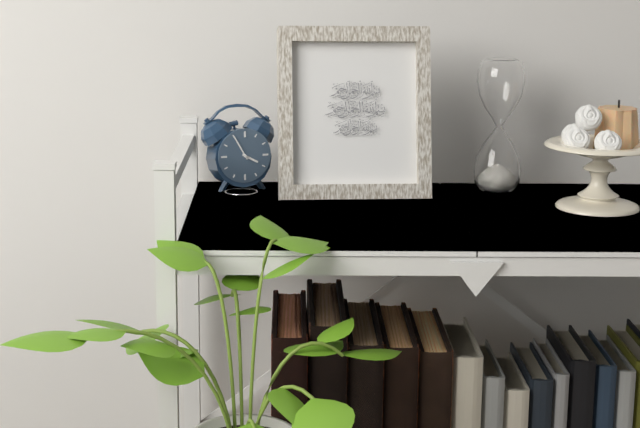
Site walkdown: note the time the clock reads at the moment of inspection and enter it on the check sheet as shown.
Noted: 3:55
